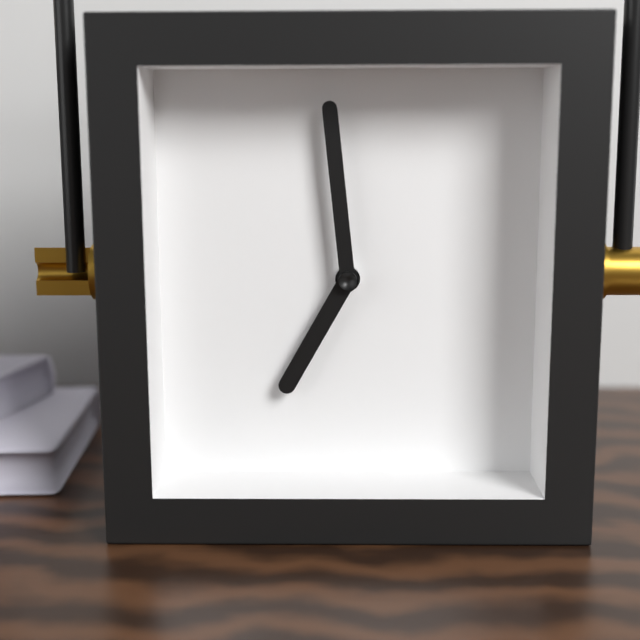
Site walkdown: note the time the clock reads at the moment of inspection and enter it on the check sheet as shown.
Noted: 6:59
